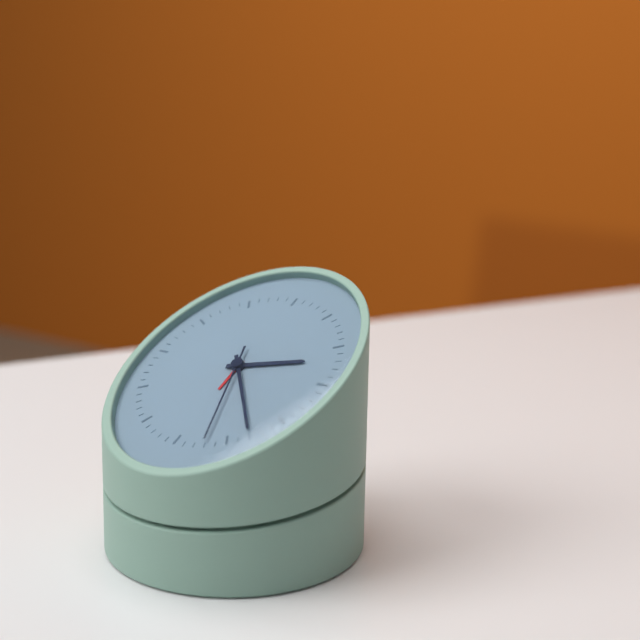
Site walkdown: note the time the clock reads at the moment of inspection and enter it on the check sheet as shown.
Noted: 2:23:27
